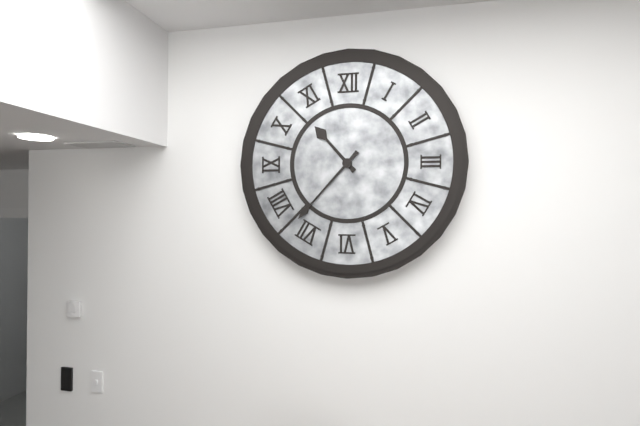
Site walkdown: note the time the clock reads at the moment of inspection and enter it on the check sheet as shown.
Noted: 10:37
